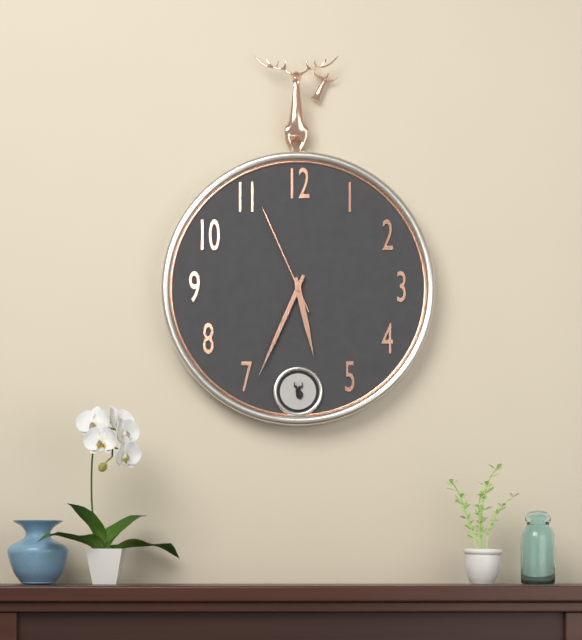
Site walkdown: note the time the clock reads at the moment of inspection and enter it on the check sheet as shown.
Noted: 5:34:56
